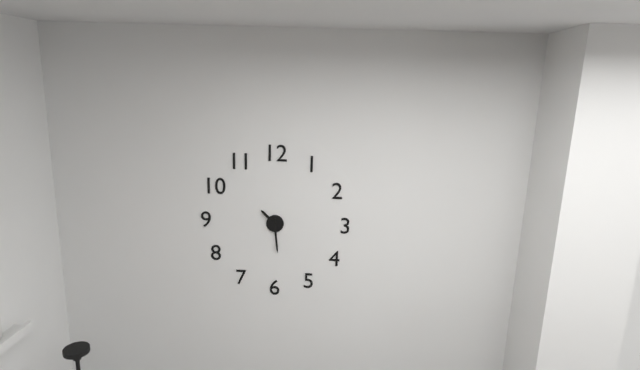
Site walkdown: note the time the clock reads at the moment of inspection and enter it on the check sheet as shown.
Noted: 10:29
